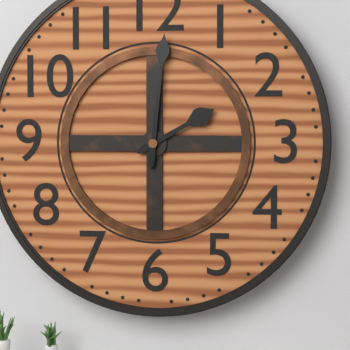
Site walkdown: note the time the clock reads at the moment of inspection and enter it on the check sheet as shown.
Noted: 2:01
